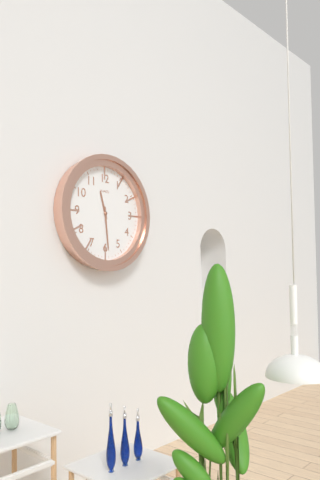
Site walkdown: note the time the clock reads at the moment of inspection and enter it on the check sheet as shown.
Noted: 11:29
